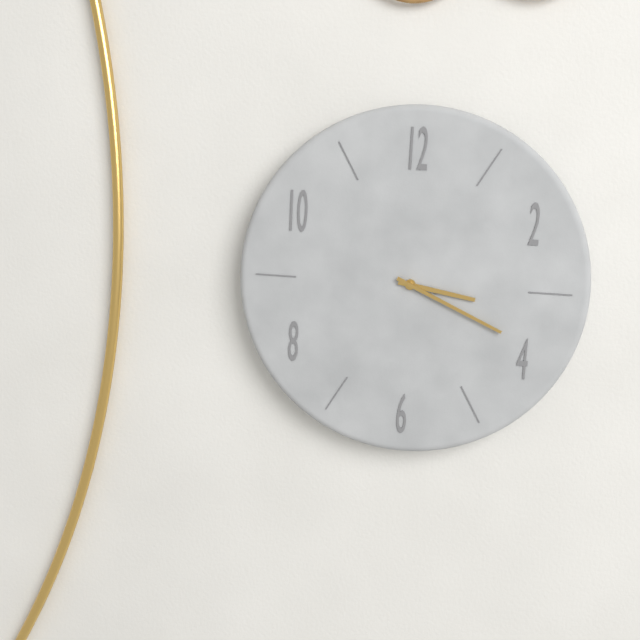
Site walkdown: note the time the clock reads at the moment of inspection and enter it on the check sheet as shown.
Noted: 3:19
